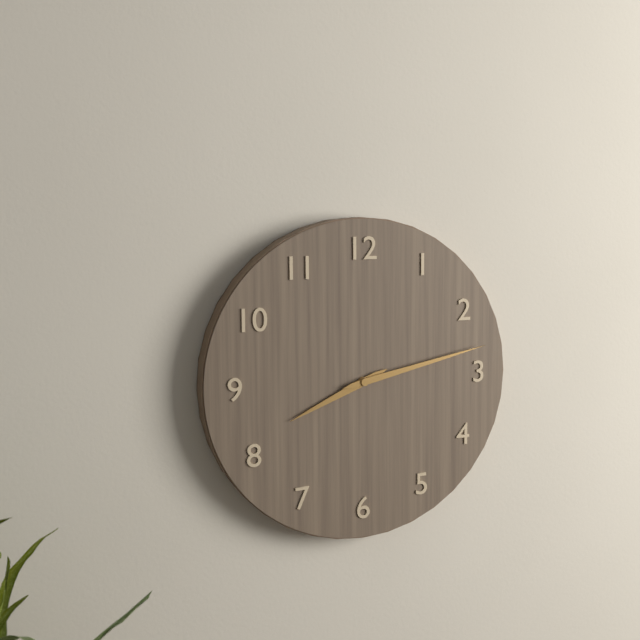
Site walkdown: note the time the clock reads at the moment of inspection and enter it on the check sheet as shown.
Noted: 8:13
